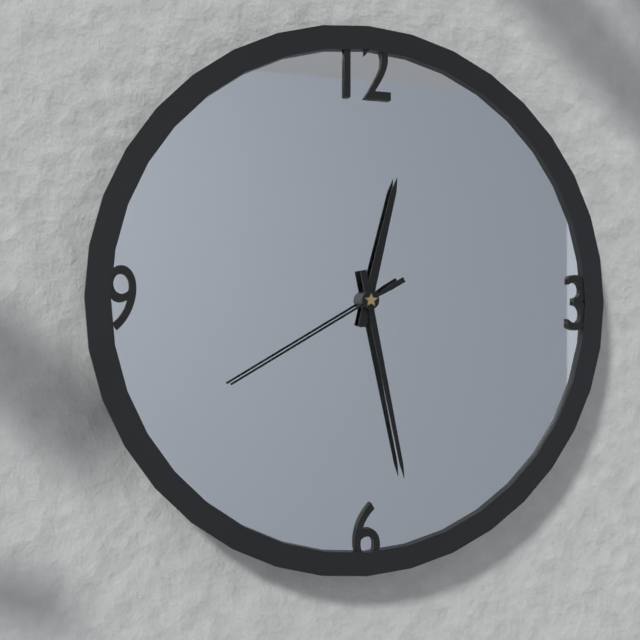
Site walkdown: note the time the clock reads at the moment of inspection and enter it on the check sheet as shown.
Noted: 12:28:40
